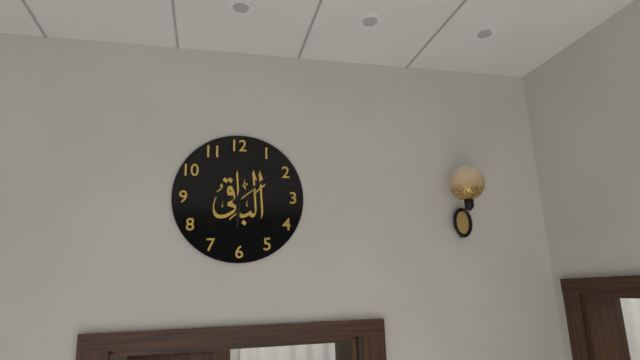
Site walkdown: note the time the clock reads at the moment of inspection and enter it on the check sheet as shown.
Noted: 6:09
